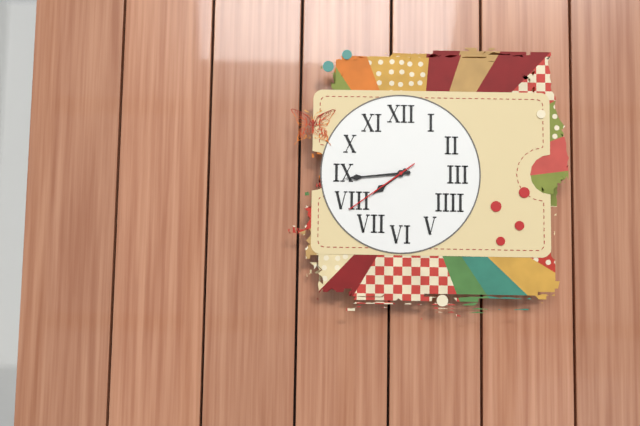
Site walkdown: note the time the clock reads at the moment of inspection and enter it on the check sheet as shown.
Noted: 7:44:39
